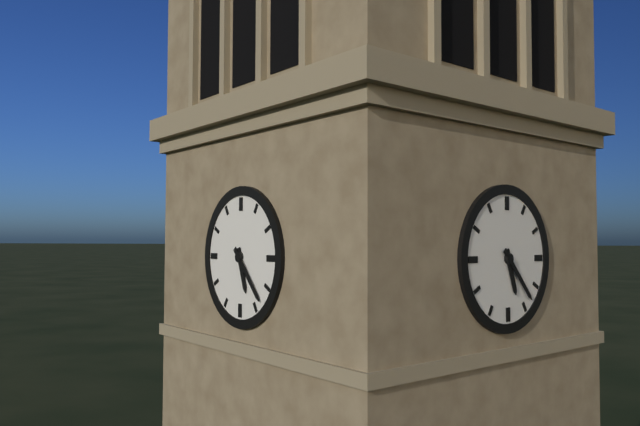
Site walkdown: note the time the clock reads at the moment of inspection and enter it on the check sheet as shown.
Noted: 5:23
